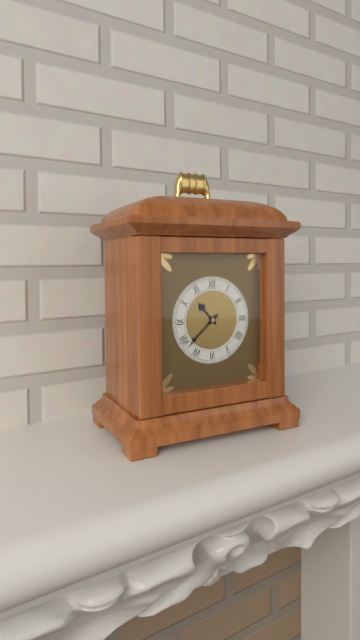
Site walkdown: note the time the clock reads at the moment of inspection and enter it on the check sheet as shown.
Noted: 10:38
